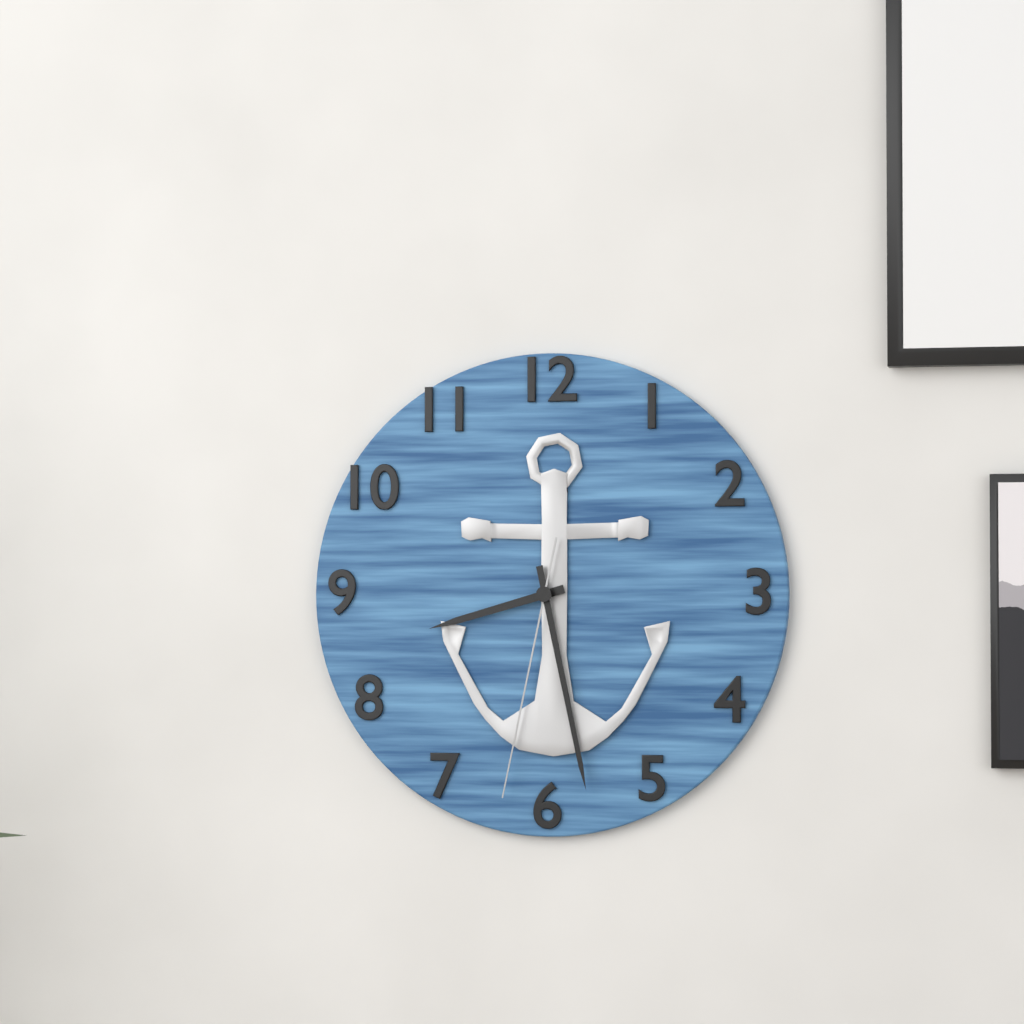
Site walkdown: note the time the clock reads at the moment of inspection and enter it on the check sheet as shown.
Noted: 8:28:32
